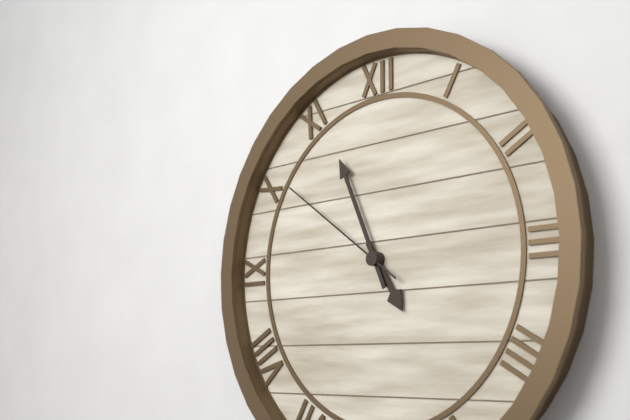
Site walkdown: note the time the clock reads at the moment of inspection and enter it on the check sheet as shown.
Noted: 4:56:51
